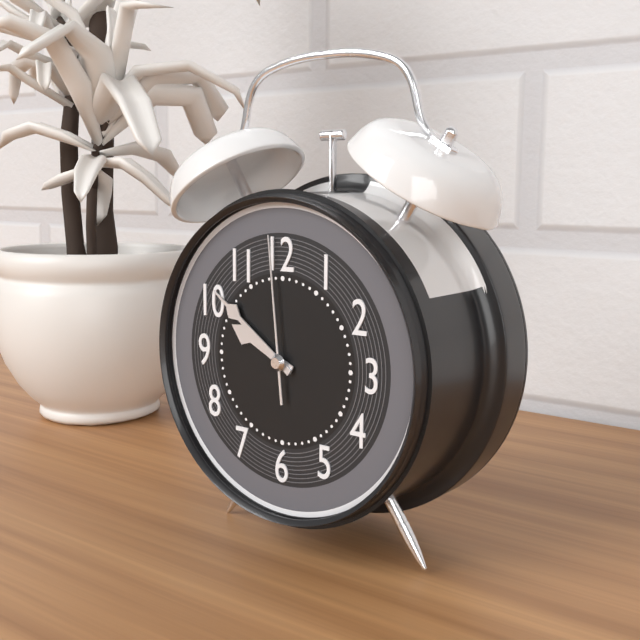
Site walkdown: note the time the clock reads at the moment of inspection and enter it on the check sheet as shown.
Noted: 9:51:59
